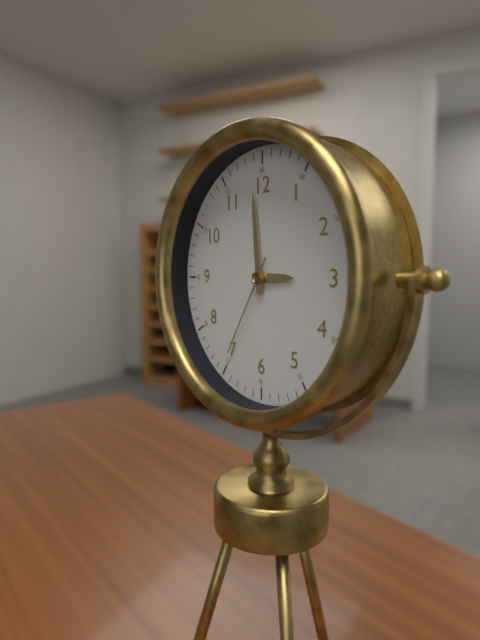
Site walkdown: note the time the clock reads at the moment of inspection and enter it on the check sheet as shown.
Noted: 2:59:35
